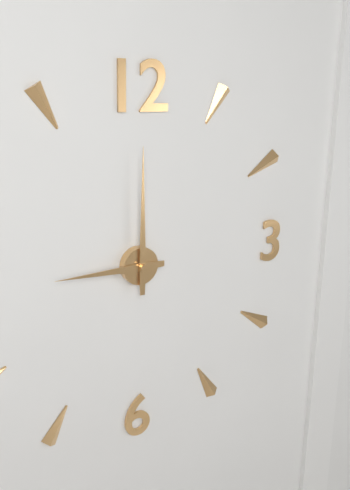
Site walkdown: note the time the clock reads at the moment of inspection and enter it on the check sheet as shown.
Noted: 9:00
